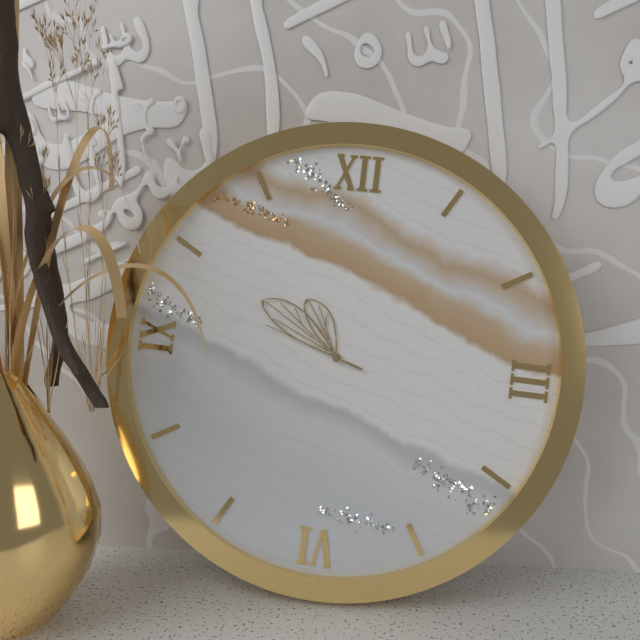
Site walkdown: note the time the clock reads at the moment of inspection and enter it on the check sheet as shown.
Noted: 10:50:48
